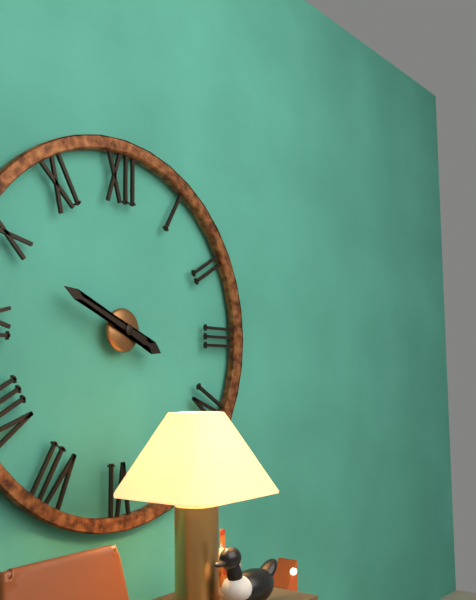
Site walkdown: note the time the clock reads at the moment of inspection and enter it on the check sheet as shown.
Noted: 3:49
